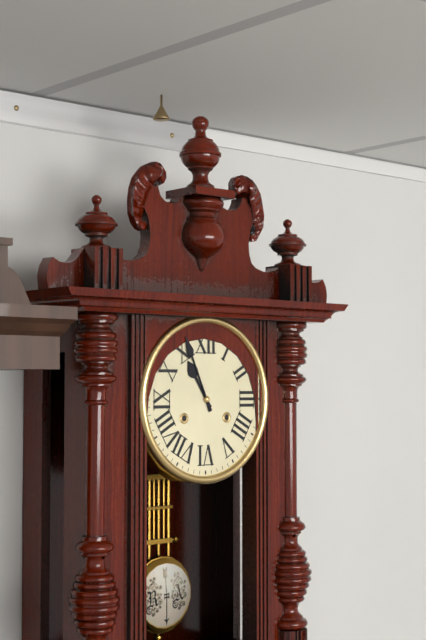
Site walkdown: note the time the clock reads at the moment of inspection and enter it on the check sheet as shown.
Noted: 10:56
